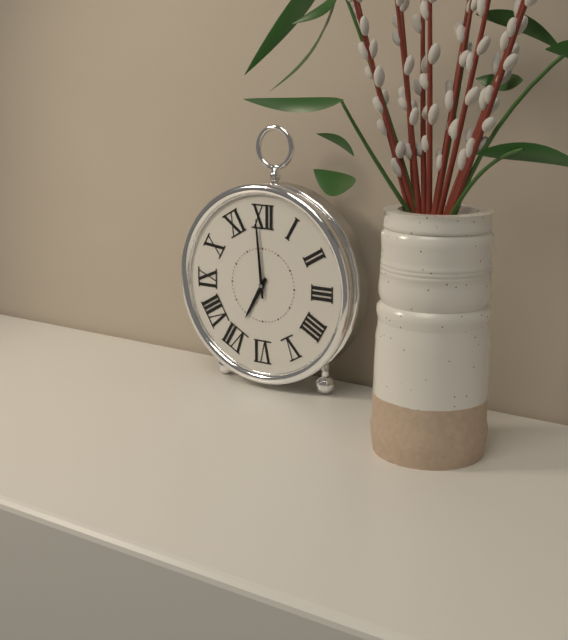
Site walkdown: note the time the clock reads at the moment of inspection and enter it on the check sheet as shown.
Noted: 6:59
